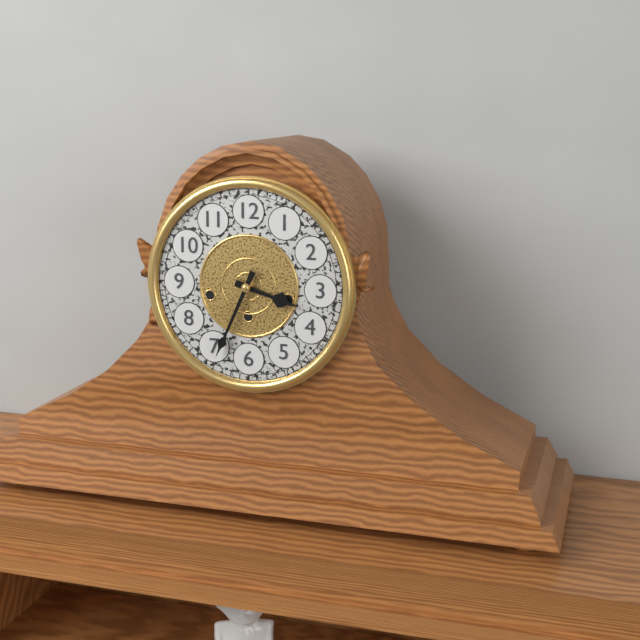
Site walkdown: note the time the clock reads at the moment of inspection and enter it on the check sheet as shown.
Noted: 3:34
